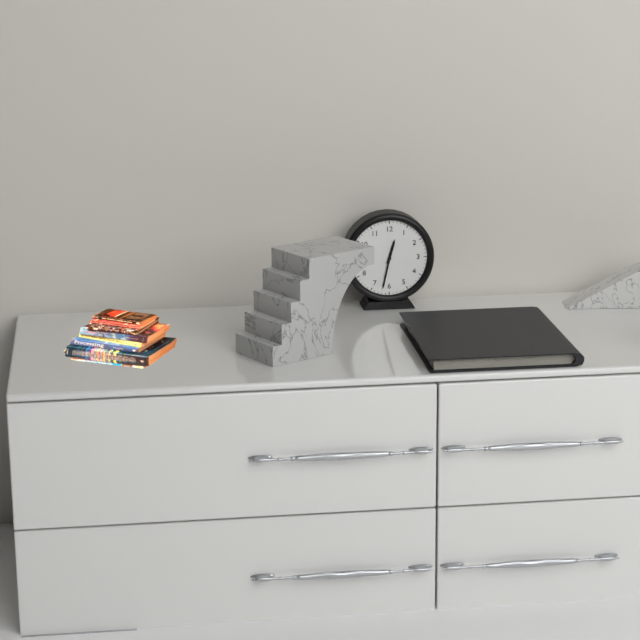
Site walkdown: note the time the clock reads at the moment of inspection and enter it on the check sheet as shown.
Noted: 12:32
